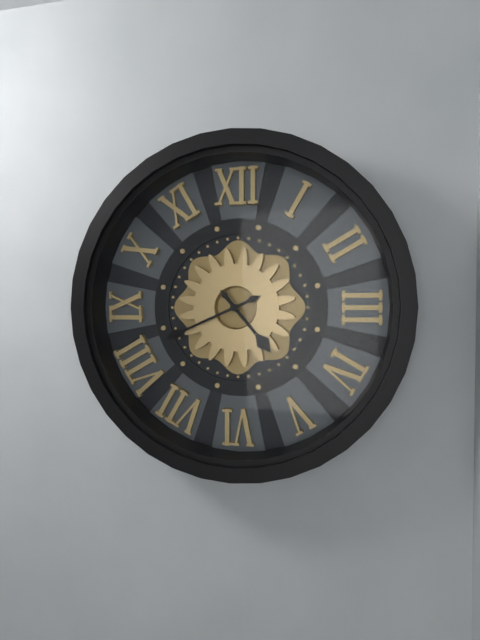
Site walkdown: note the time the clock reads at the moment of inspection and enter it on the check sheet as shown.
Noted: 4:41
